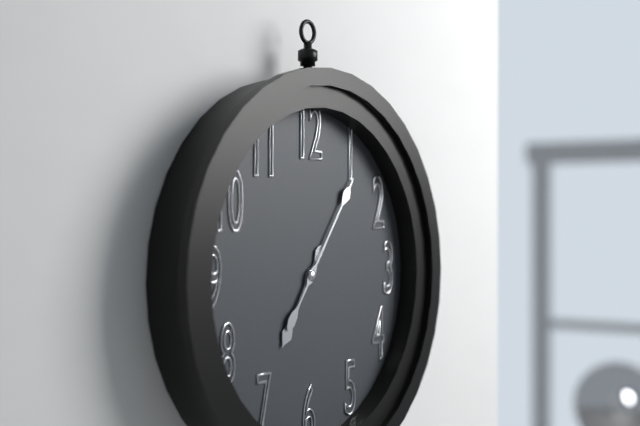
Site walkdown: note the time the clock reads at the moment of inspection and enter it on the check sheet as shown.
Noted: 7:06
